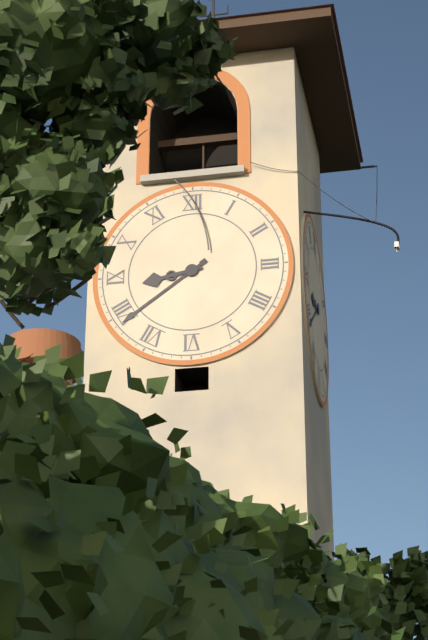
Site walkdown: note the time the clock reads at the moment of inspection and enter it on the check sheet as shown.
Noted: 8:39
